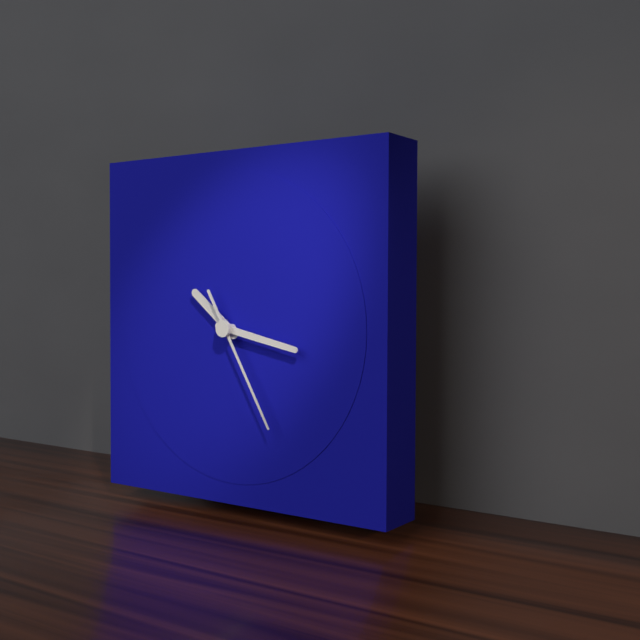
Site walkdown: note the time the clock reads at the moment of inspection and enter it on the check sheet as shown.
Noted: 10:17:25
